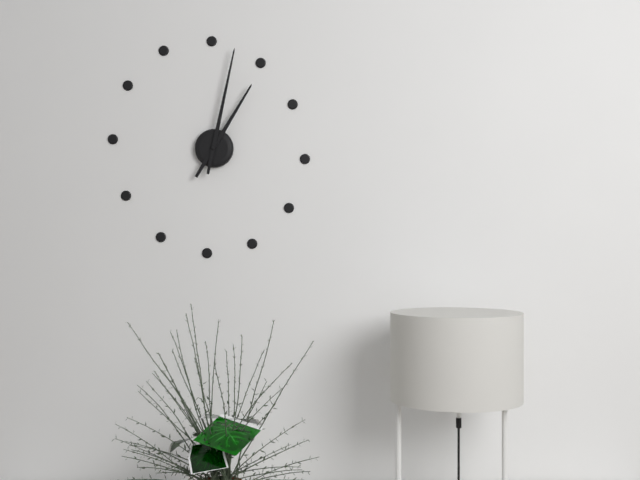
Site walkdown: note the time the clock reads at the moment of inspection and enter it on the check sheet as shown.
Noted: 1:02
